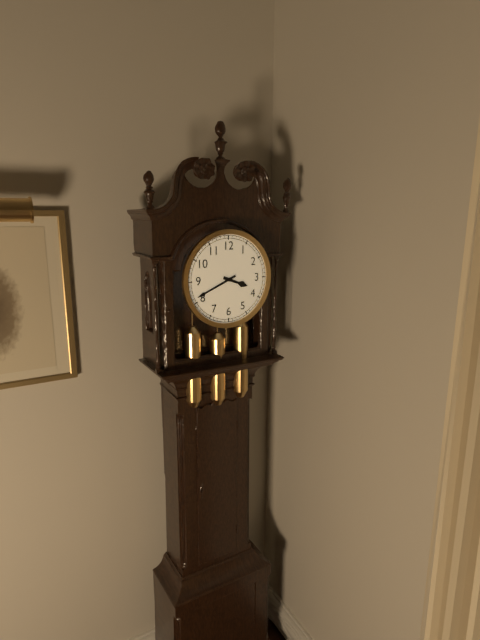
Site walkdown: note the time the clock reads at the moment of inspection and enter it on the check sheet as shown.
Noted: 3:41
